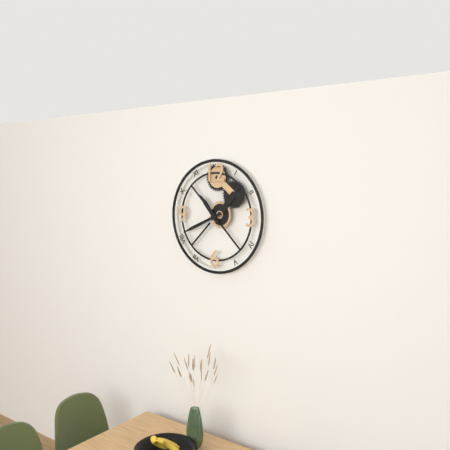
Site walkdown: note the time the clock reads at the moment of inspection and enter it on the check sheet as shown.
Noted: 10:41
